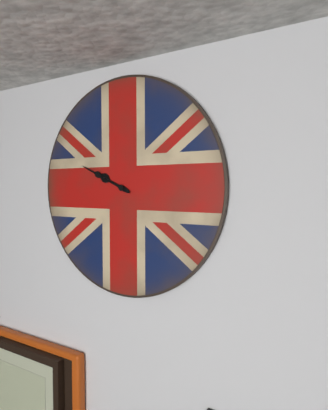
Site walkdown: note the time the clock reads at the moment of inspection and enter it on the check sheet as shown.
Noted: 9:49
